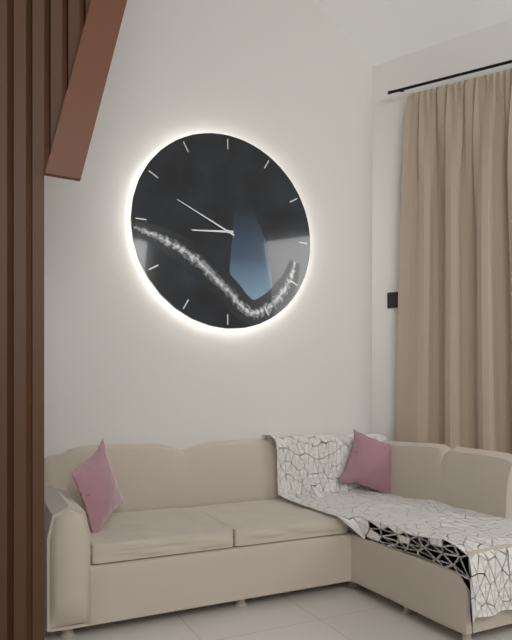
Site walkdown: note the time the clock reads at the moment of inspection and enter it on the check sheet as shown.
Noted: 8:49
